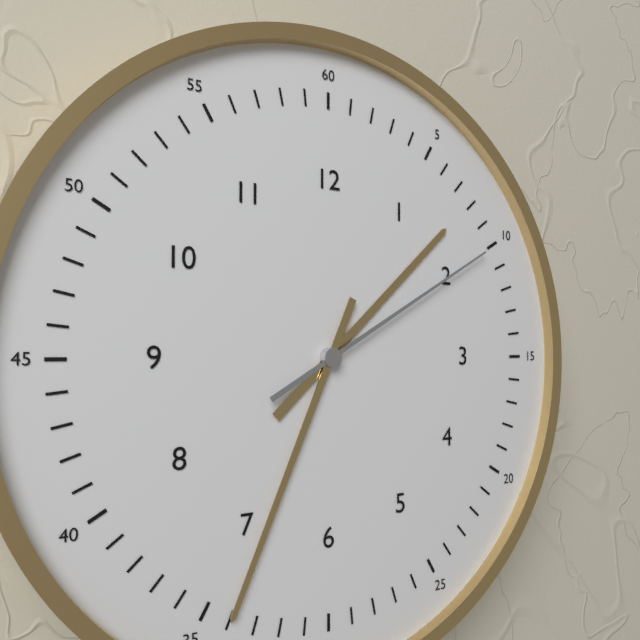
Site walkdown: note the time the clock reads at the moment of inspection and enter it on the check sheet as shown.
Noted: 1:34:10
